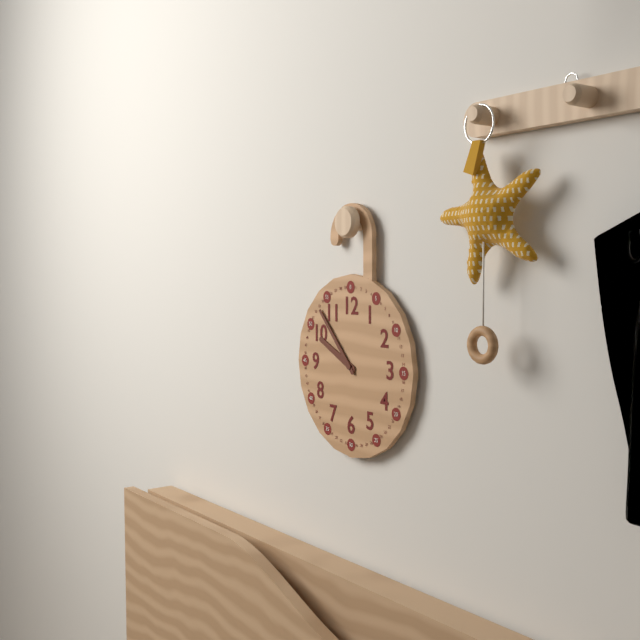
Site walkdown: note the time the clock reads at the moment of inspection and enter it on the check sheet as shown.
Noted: 9:53
